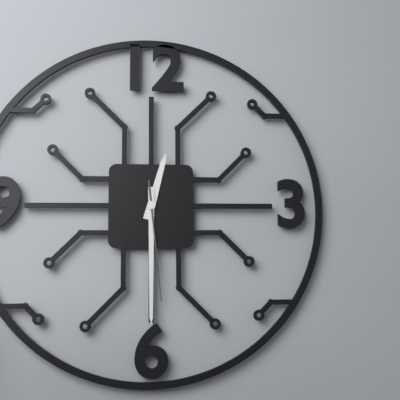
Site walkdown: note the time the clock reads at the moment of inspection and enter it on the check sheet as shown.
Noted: 12:30:29
